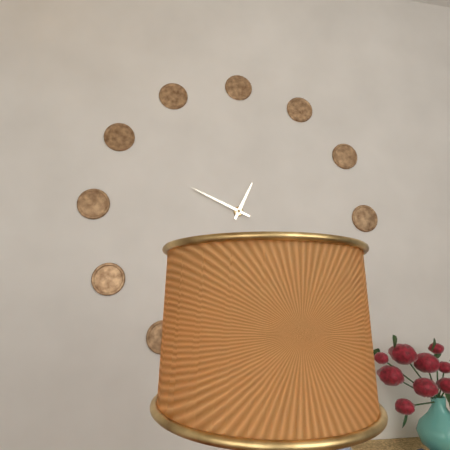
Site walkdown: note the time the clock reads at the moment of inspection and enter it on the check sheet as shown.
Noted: 12:49
